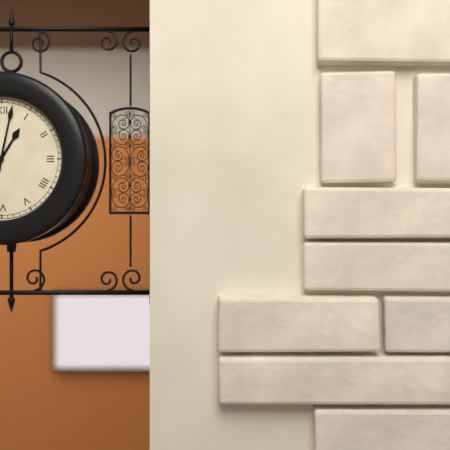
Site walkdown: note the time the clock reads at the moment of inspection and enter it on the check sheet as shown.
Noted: 1:02
